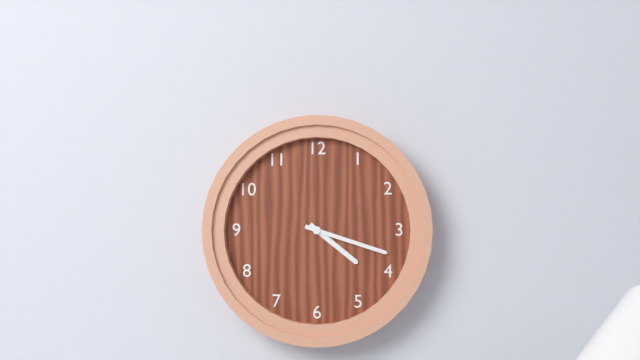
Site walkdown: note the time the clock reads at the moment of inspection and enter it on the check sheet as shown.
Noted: 4:18
